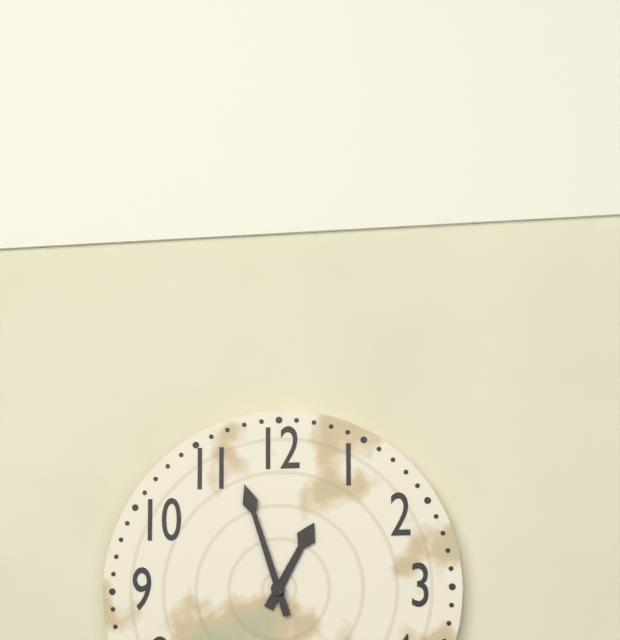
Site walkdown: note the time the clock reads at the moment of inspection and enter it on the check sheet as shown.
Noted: 12:57
